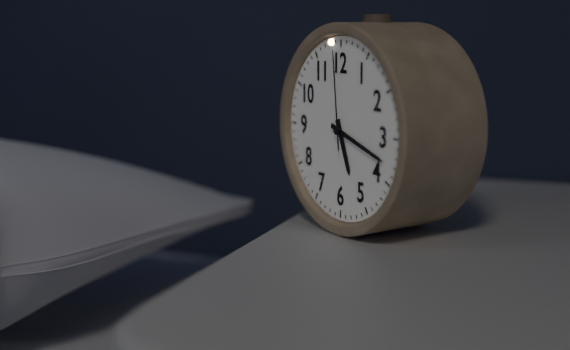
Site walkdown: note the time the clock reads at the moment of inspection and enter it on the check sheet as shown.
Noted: 5:18:59
